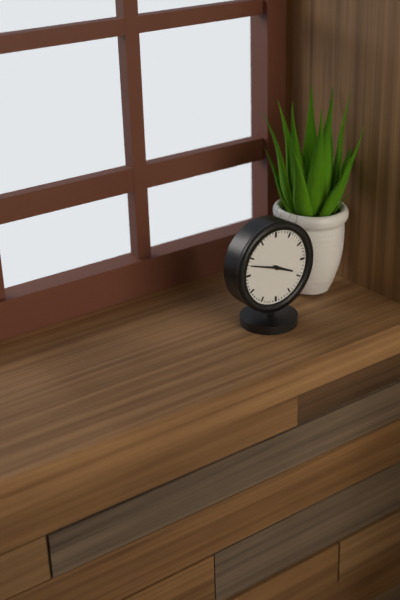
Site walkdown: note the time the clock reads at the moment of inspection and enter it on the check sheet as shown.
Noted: 3:48
